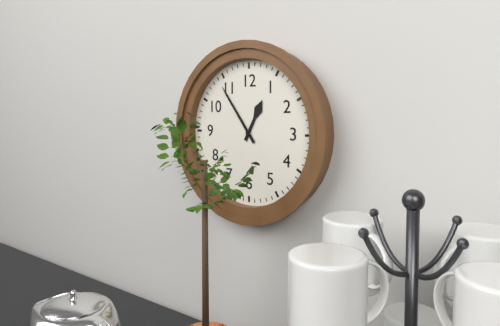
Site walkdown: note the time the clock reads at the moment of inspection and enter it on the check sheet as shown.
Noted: 12:54
